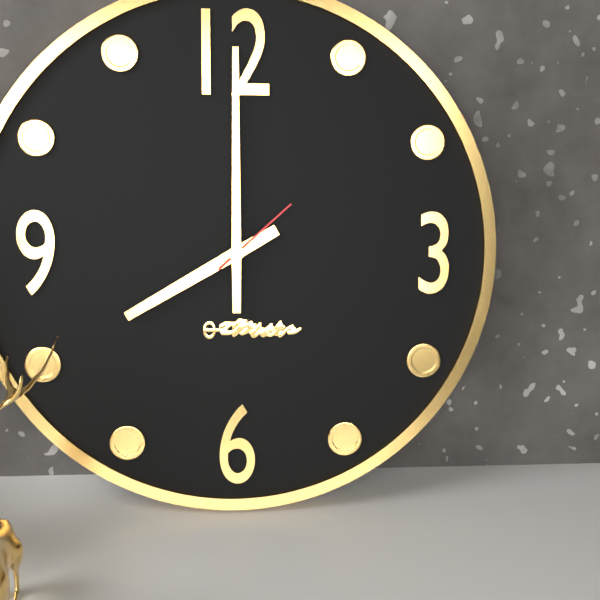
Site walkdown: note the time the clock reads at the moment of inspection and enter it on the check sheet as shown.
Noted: 8:00:08
